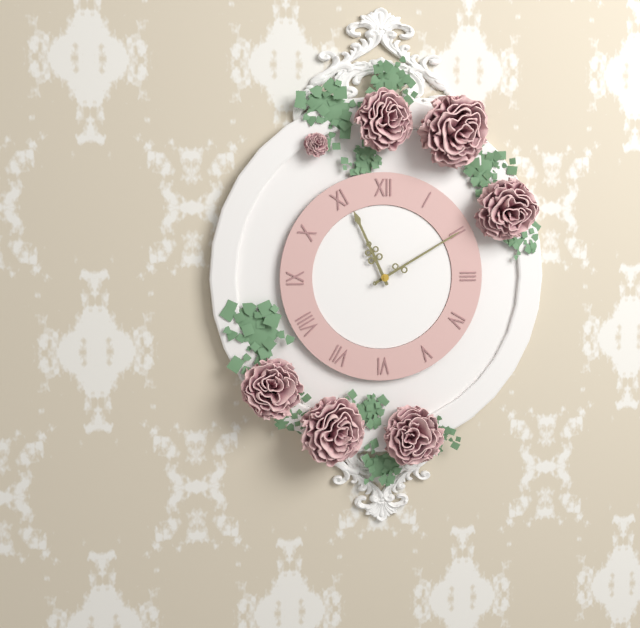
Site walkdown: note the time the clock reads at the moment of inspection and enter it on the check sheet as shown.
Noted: 11:10
